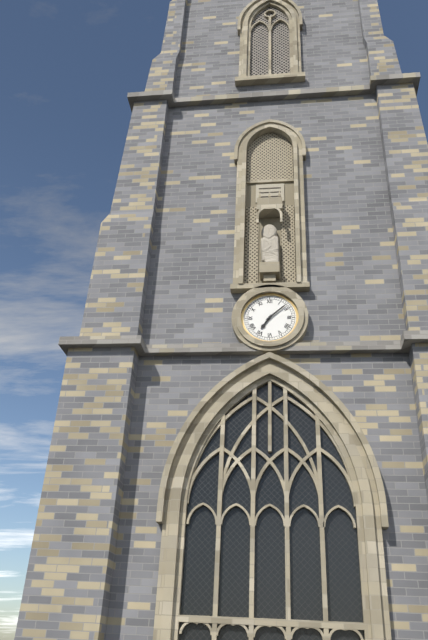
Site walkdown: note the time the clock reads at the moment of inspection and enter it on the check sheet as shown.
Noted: 7:08
